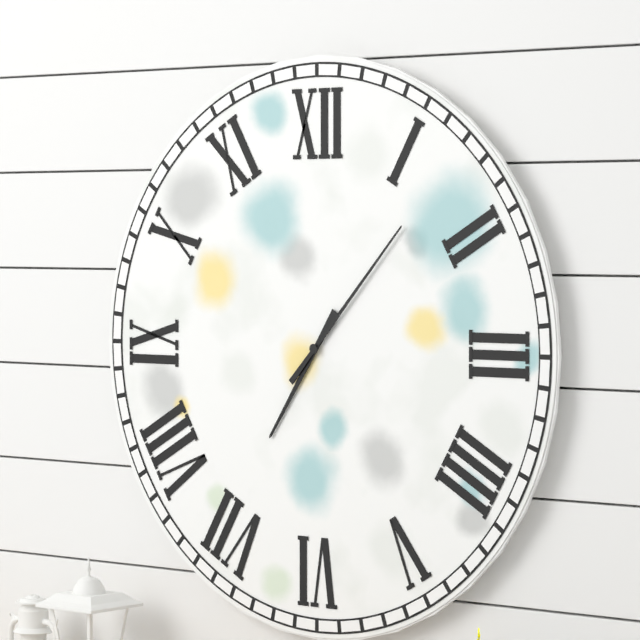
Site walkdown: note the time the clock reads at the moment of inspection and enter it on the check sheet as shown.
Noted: 7:07
